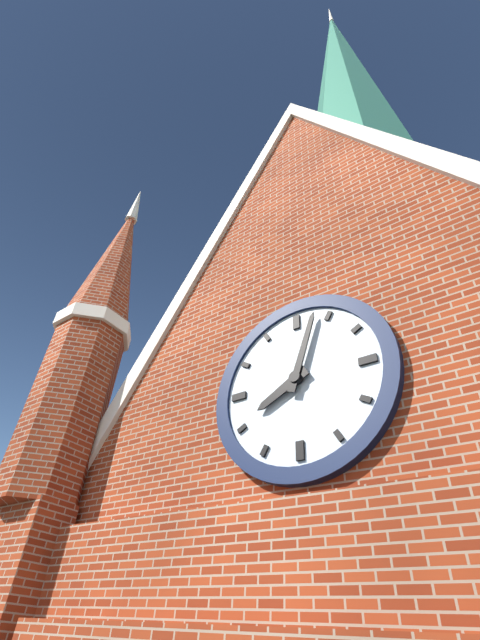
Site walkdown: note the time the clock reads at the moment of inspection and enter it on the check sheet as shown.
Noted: 8:03
